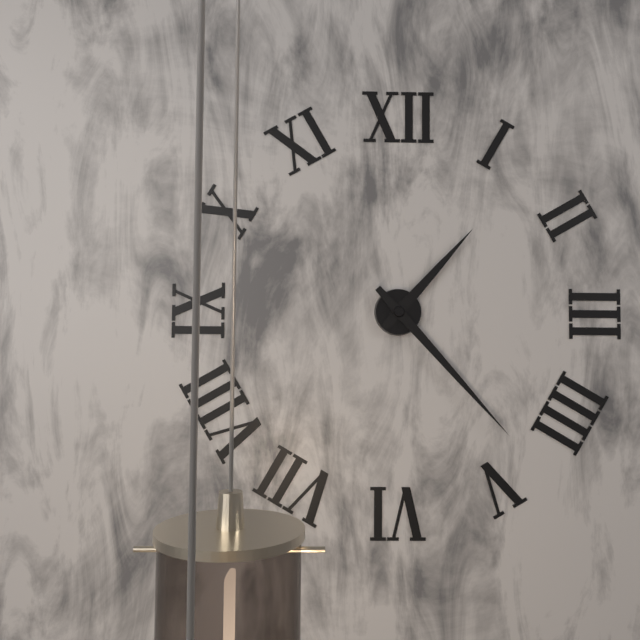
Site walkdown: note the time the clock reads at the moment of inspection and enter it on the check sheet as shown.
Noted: 1:23
